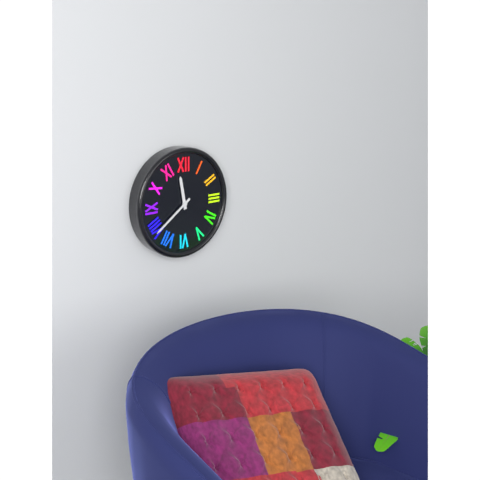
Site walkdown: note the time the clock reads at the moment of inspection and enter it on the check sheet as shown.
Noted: 11:39
